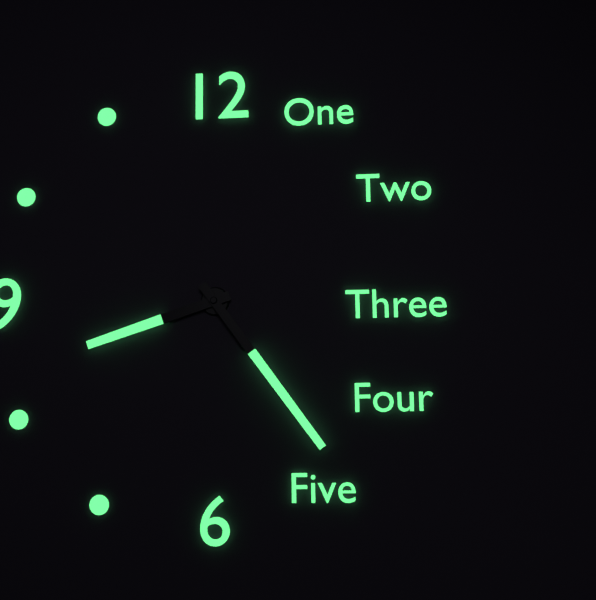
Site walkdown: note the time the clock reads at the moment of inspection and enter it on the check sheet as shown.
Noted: 8:24
